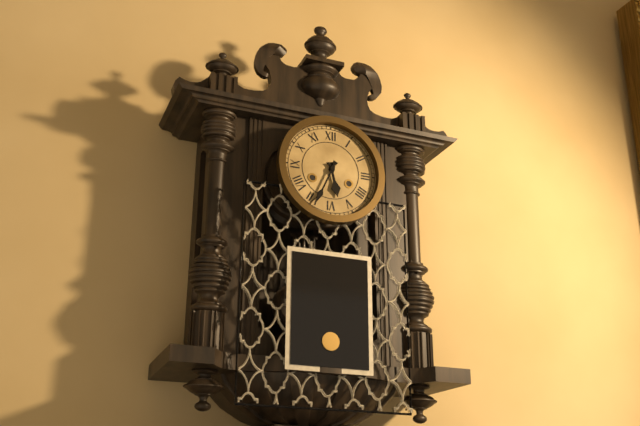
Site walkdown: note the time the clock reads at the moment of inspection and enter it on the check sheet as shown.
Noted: 5:34
